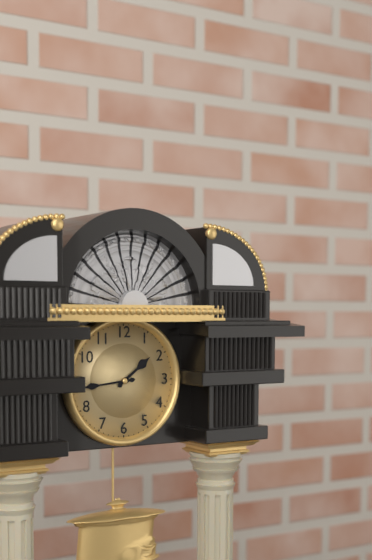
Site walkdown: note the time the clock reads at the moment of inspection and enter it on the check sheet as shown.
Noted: 1:44
